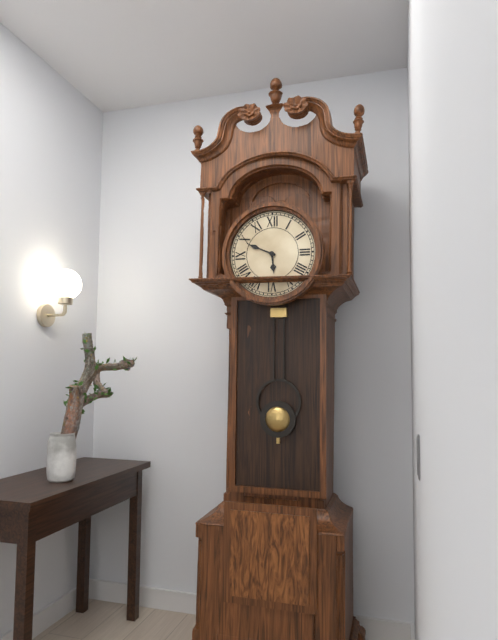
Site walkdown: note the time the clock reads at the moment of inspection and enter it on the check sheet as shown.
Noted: 5:49
